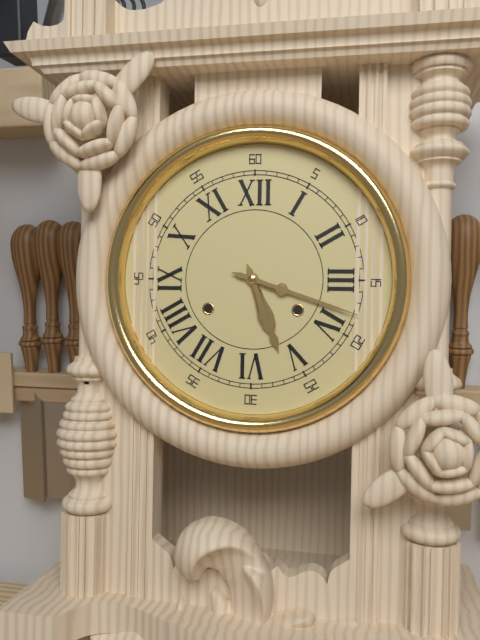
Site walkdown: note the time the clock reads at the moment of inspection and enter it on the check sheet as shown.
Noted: 5:18
